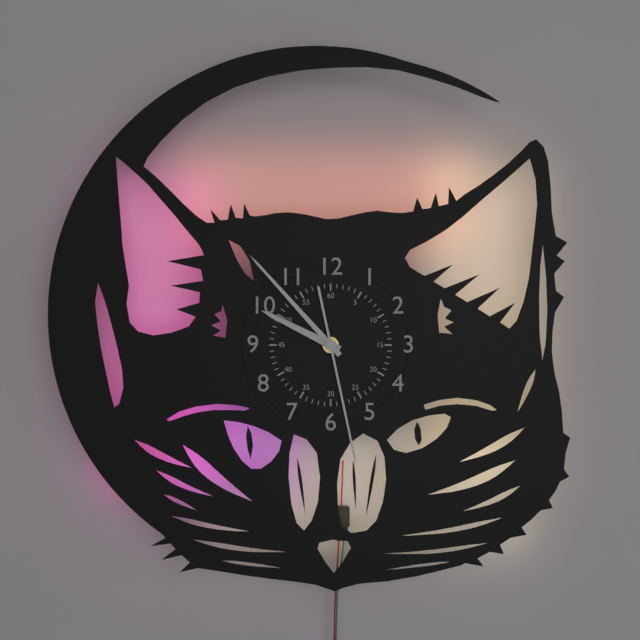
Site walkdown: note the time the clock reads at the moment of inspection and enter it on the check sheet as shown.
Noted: 9:53:28
